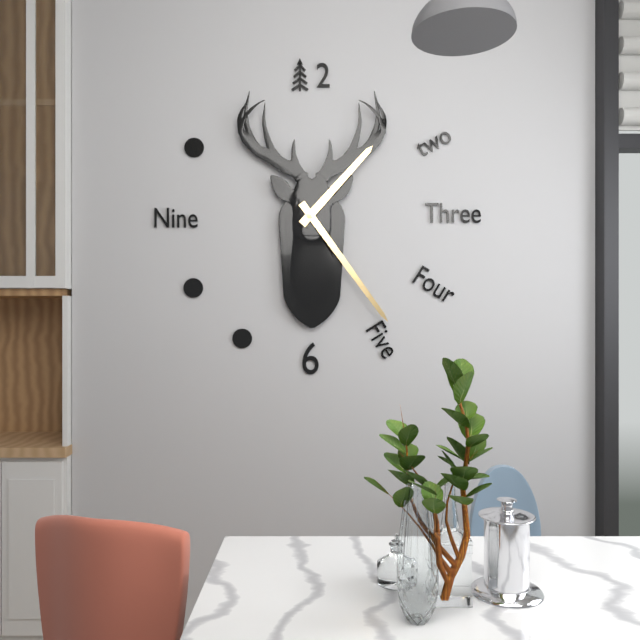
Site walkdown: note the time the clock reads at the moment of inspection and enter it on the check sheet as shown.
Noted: 1:24
